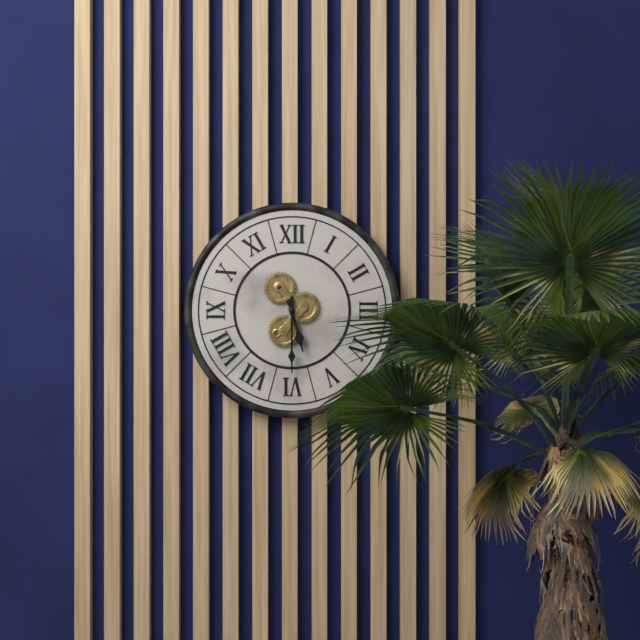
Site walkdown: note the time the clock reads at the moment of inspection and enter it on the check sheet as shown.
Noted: 5:30
